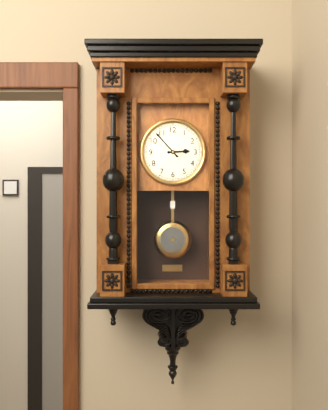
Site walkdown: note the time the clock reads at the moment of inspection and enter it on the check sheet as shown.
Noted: 2:53
